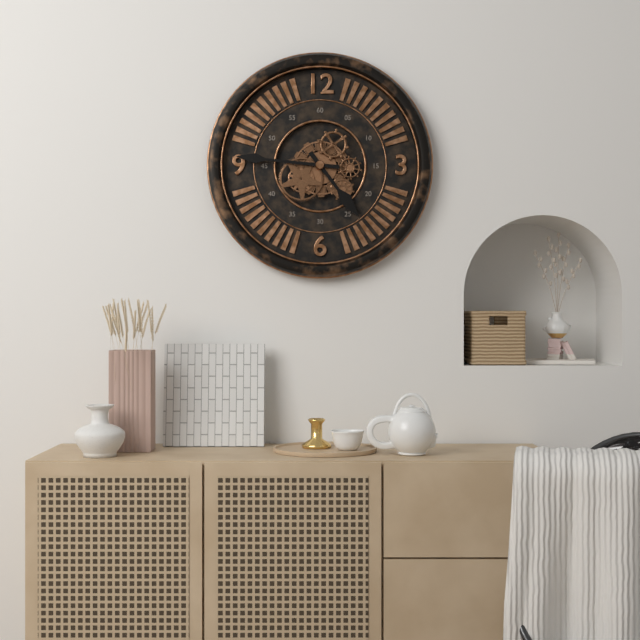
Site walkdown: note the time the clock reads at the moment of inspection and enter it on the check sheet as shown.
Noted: 4:46
